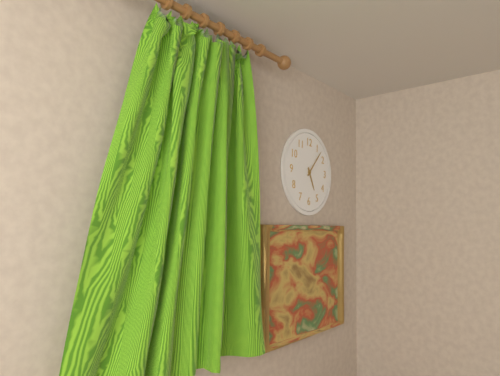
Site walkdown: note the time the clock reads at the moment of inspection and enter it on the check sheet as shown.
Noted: 5:07
